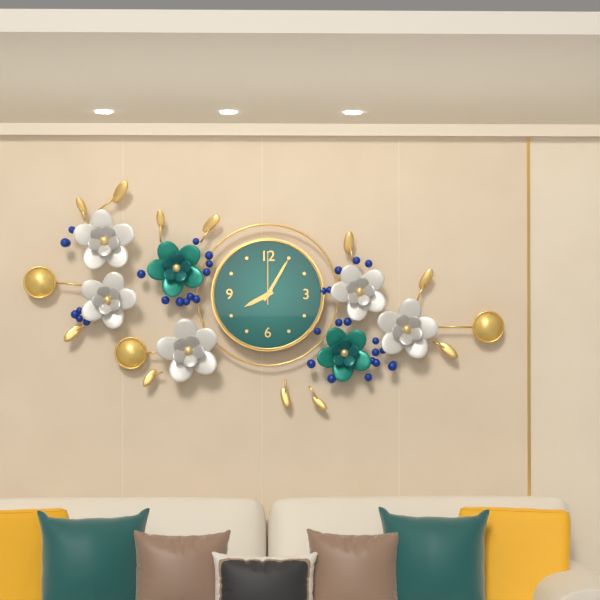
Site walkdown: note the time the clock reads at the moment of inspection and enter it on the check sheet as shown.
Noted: 8:05:00
